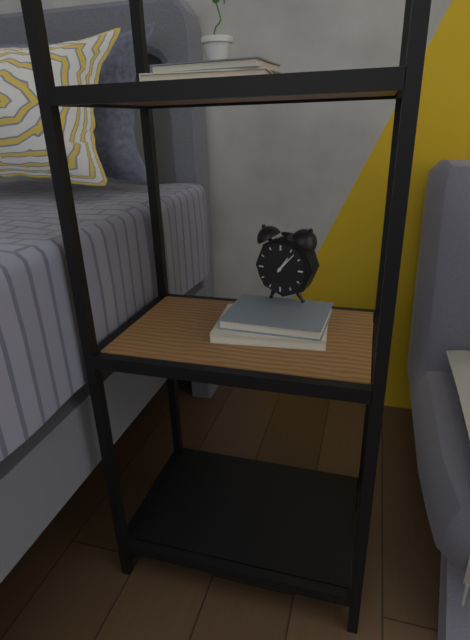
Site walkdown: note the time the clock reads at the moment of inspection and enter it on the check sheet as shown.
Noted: 1:07
